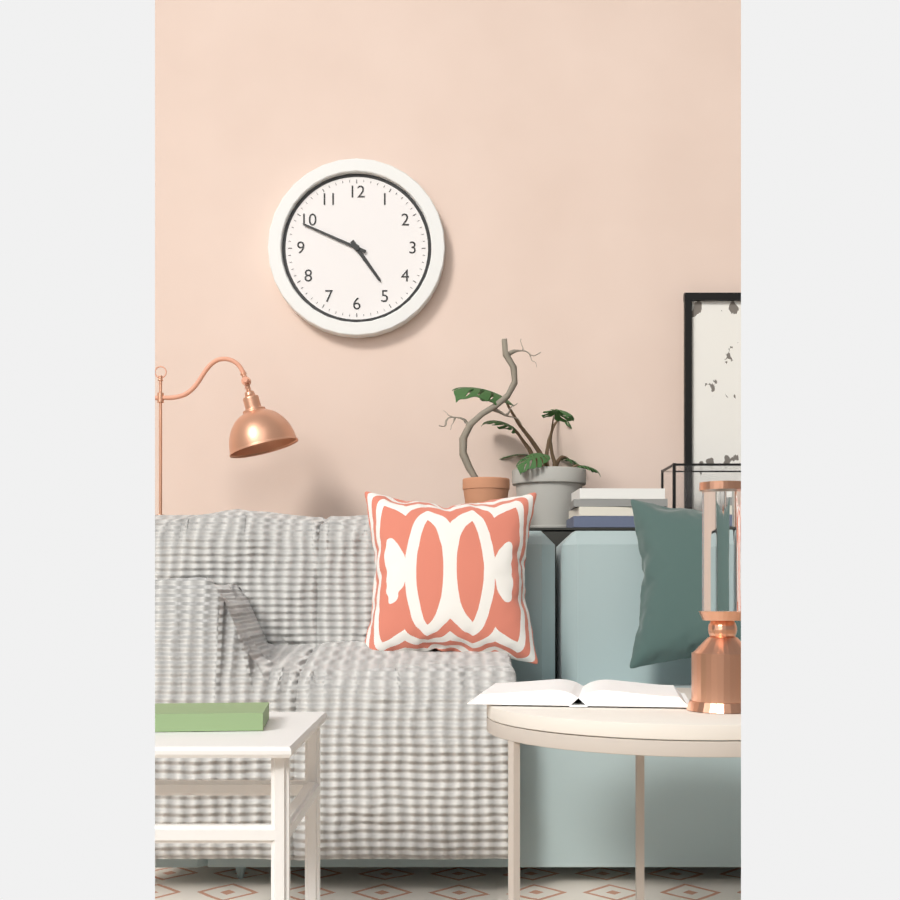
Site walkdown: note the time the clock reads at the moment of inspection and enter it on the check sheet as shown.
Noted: 4:49
